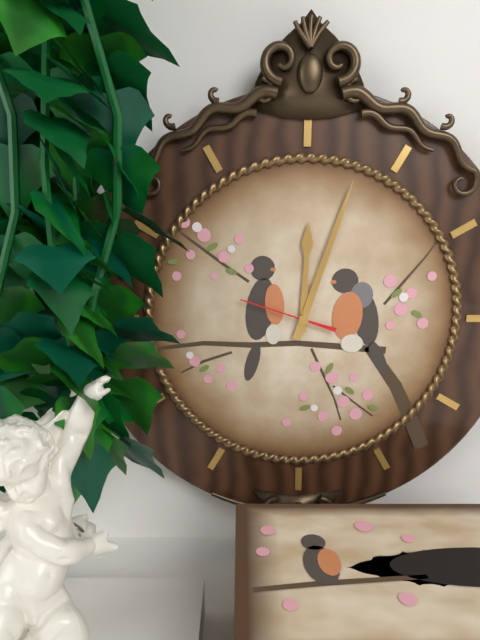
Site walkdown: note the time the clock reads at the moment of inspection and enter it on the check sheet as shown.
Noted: 12:03:48
